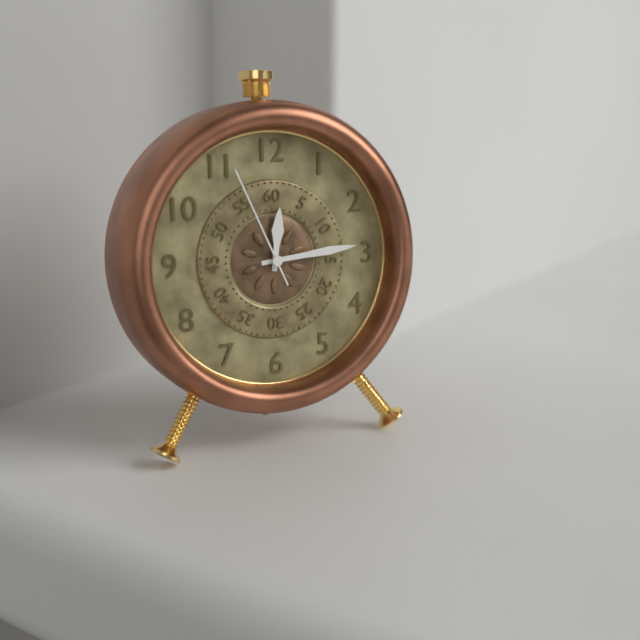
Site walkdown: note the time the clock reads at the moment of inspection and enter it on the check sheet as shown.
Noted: 12:14:56
